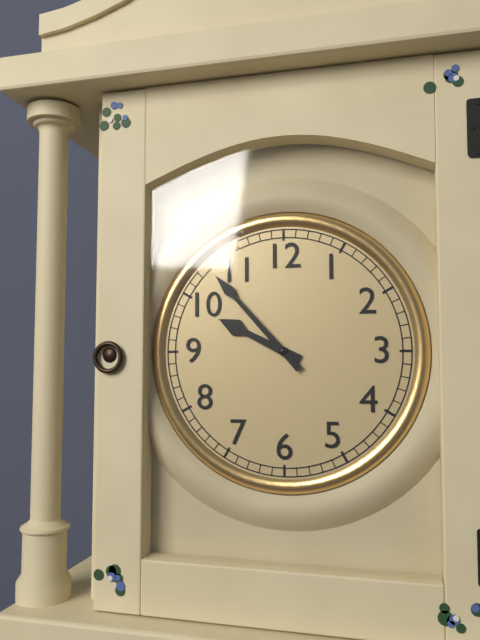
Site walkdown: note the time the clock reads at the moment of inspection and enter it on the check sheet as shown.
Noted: 9:53
